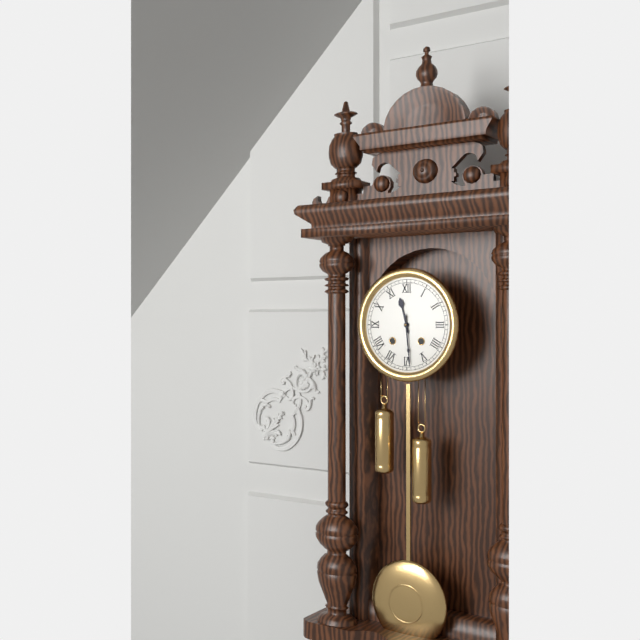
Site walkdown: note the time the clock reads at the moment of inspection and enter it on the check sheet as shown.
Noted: 11:29
